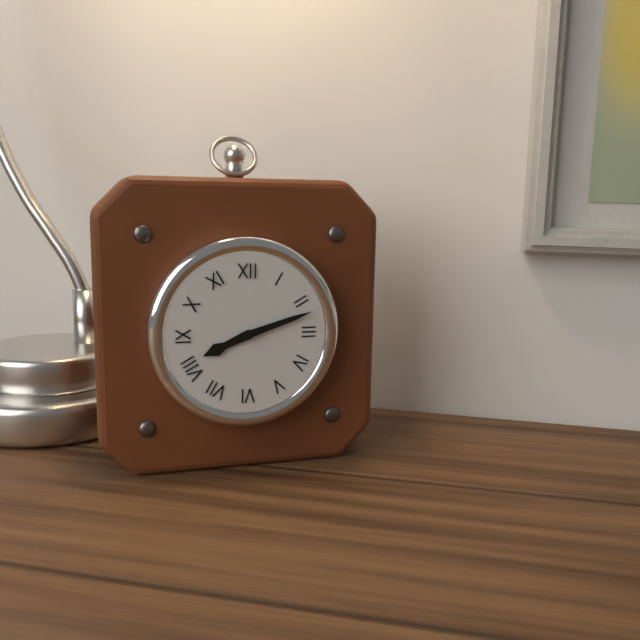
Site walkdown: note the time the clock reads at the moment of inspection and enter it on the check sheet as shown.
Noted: 8:12
